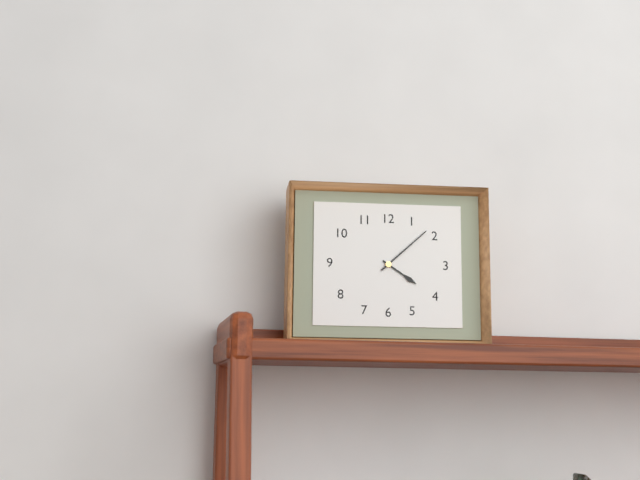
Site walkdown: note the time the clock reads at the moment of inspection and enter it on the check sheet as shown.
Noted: 4:08
